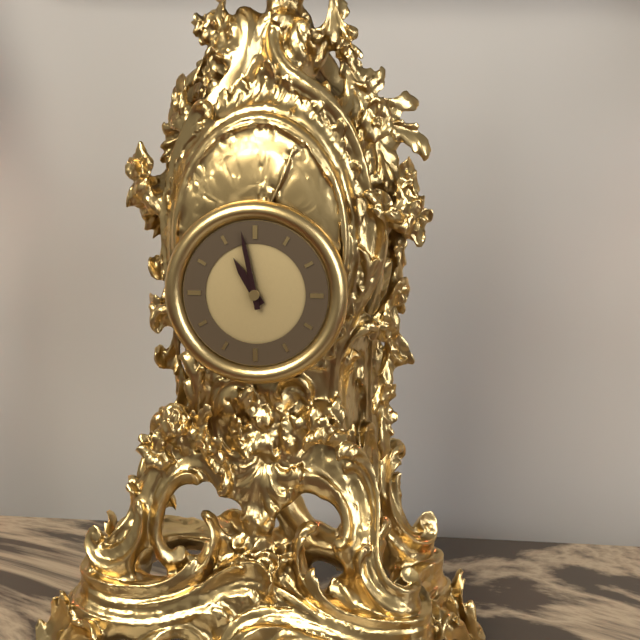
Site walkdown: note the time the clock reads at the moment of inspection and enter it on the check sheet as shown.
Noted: 10:58
